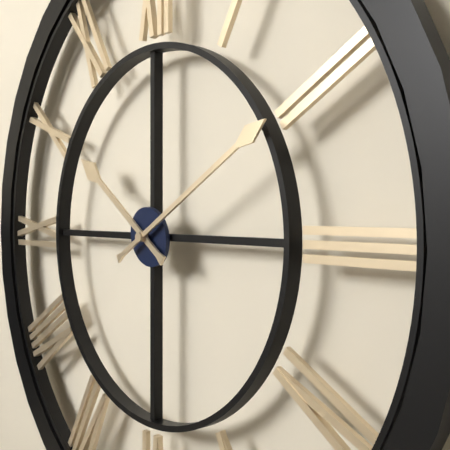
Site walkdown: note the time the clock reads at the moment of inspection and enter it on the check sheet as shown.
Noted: 10:10
